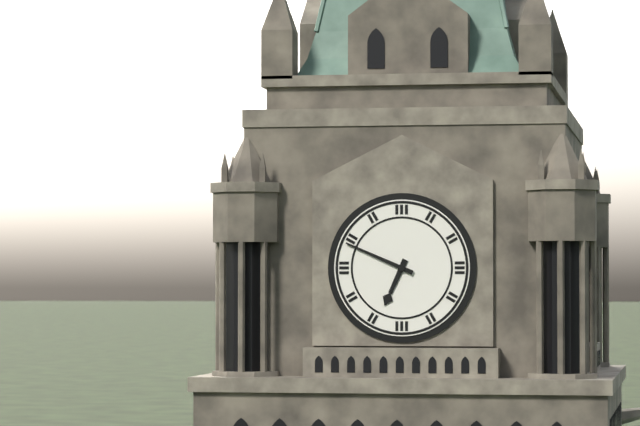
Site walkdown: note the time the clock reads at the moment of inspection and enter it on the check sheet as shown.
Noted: 6:49
